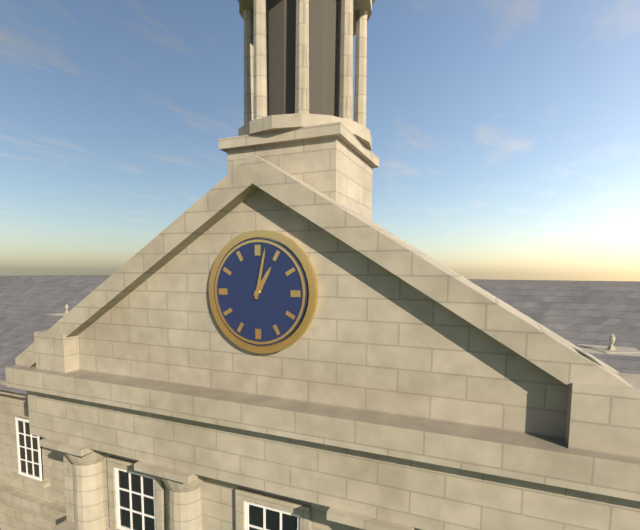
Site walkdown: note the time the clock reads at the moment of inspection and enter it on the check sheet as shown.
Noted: 1:02
